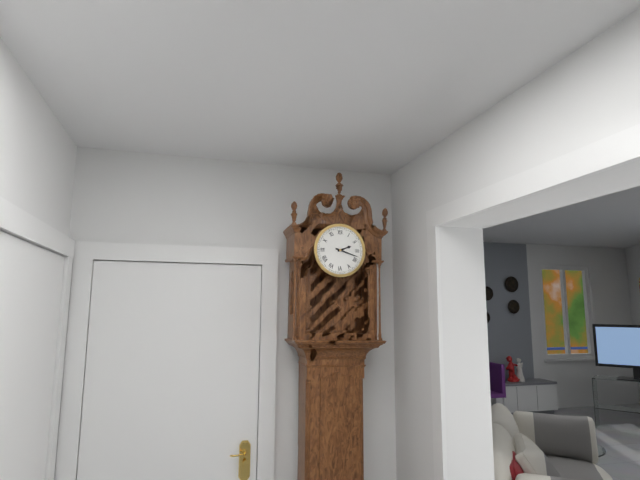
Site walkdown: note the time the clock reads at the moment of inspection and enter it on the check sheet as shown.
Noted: 2:18
